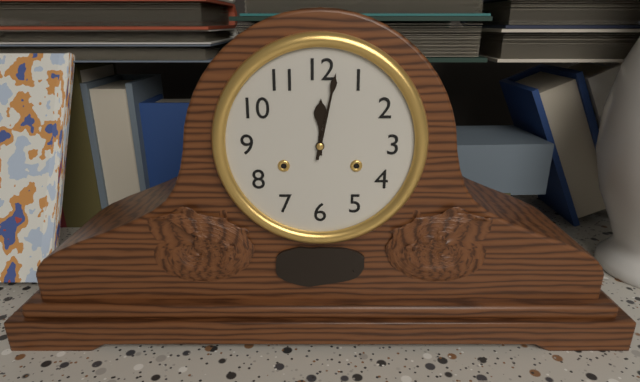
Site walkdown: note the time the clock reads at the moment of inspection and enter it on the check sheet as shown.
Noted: 12:02
